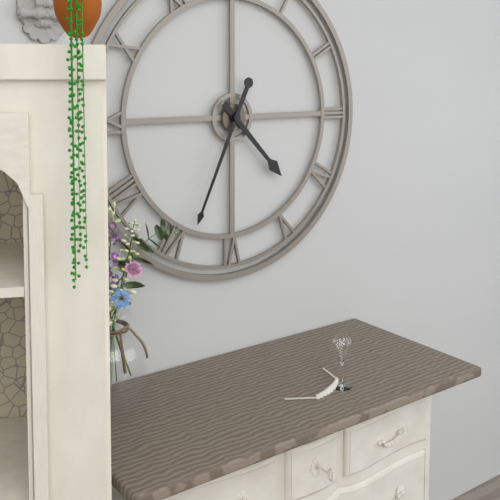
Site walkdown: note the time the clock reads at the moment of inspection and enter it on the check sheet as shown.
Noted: 4:34
